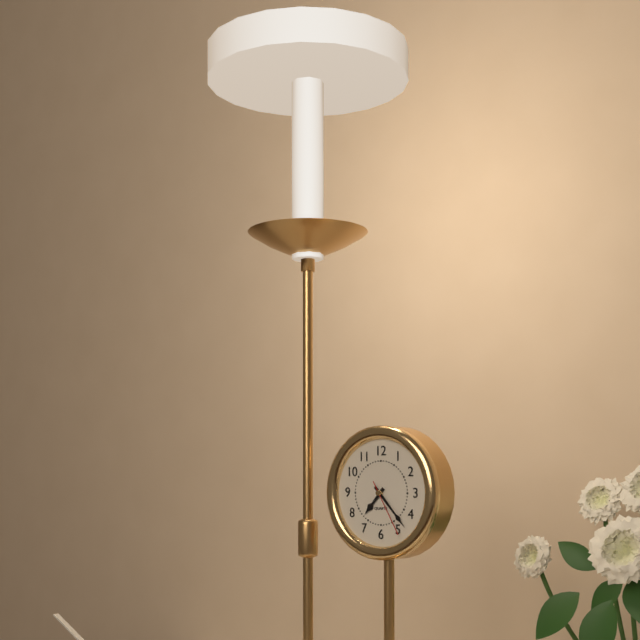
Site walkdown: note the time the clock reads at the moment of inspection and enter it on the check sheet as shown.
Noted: 7:23:25
